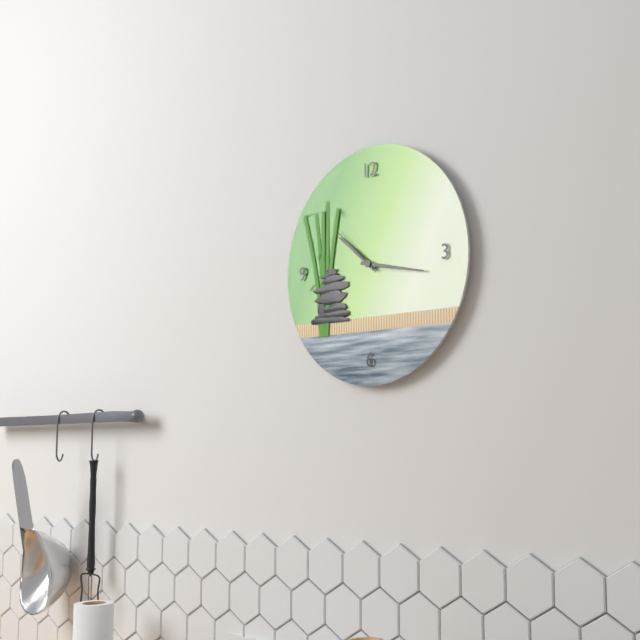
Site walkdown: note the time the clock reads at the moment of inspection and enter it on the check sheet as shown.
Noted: 10:17:52
